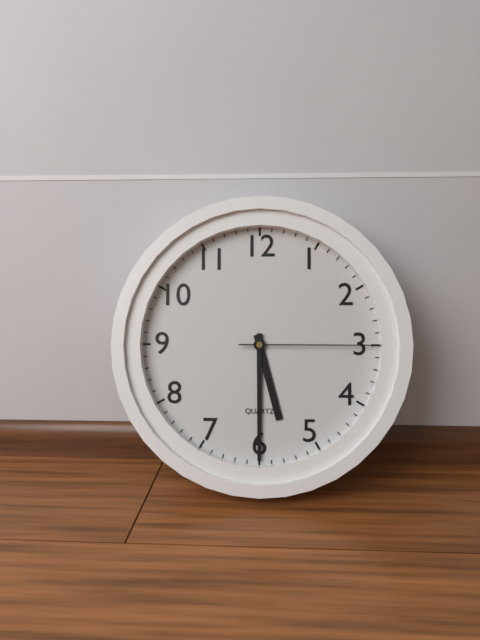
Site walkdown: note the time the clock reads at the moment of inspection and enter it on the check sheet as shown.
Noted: 5:30:15
